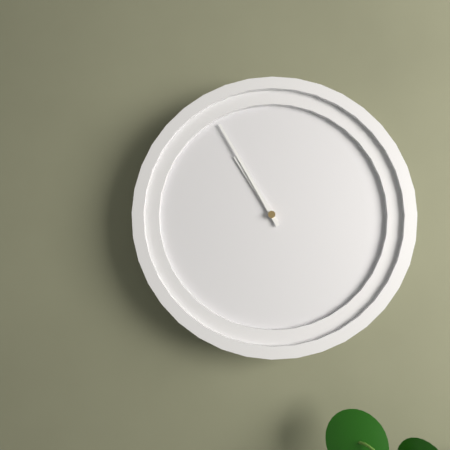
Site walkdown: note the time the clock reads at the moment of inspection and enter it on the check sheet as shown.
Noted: 10:55
